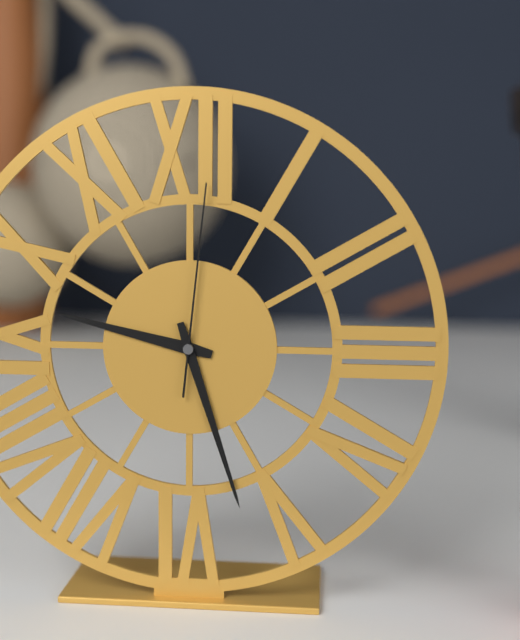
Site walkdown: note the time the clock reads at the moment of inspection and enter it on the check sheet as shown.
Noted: 9:27:01
